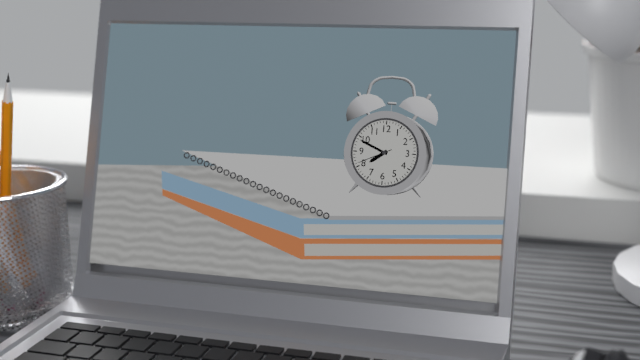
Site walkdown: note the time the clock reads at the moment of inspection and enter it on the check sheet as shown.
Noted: 7:49
